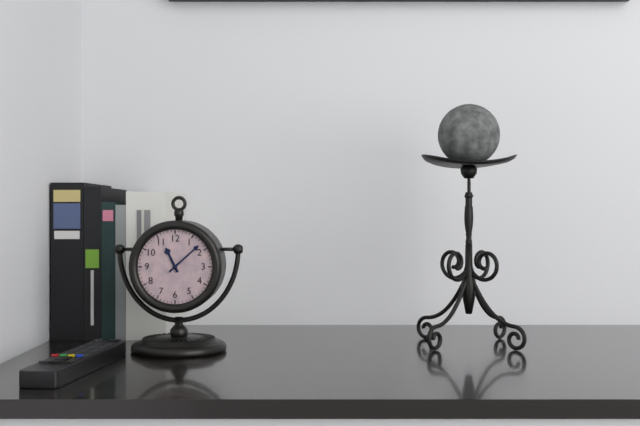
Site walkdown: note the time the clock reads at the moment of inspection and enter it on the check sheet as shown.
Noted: 11:08
